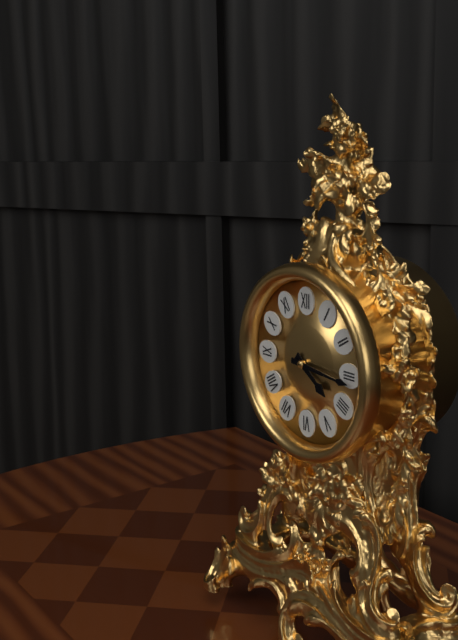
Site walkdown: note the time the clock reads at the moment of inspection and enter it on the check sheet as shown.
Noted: 4:16
